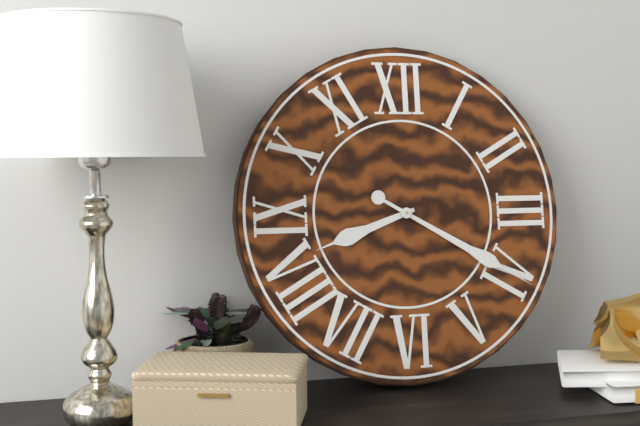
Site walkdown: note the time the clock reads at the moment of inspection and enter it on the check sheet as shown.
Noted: 8:20
